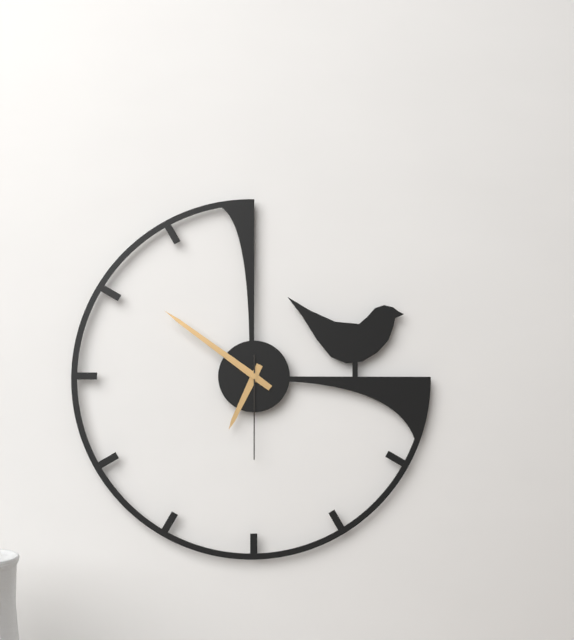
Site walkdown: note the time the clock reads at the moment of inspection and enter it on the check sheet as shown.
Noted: 6:51:30
